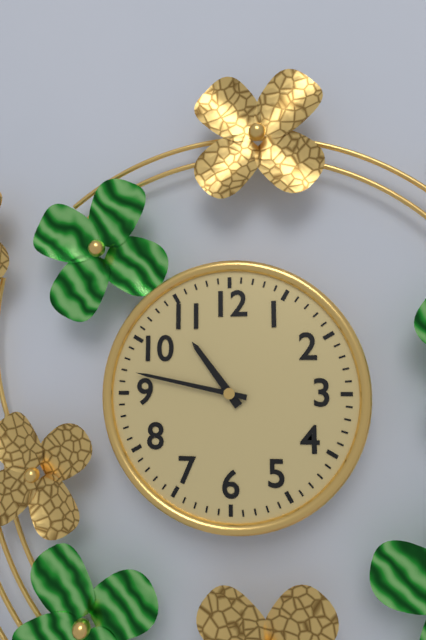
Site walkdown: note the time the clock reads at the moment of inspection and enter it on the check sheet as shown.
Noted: 10:47
